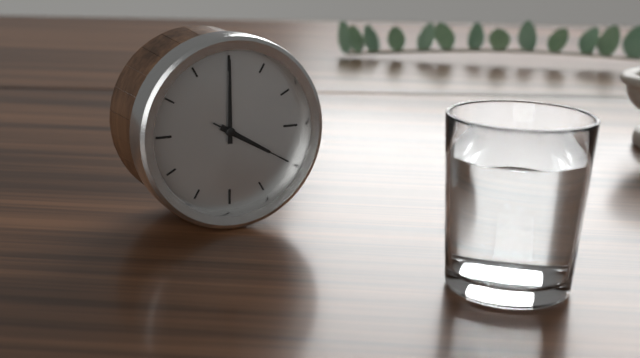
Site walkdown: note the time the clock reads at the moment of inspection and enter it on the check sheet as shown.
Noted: 4:00:20
